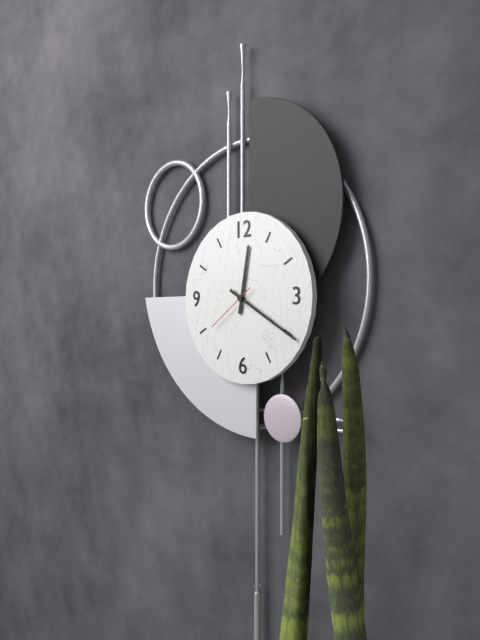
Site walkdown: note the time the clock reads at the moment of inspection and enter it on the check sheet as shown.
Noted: 12:20:39
